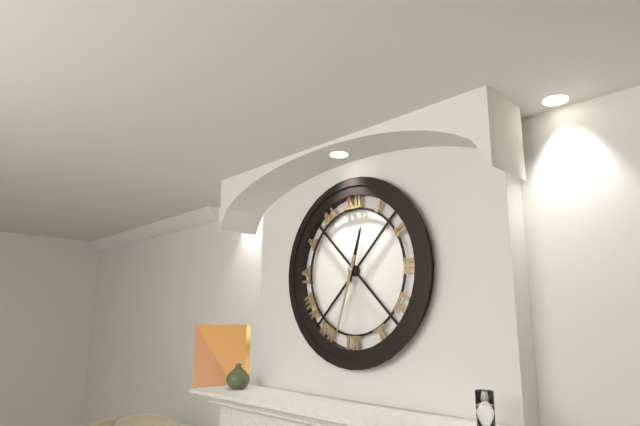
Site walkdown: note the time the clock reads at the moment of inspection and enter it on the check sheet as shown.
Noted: 12:33
